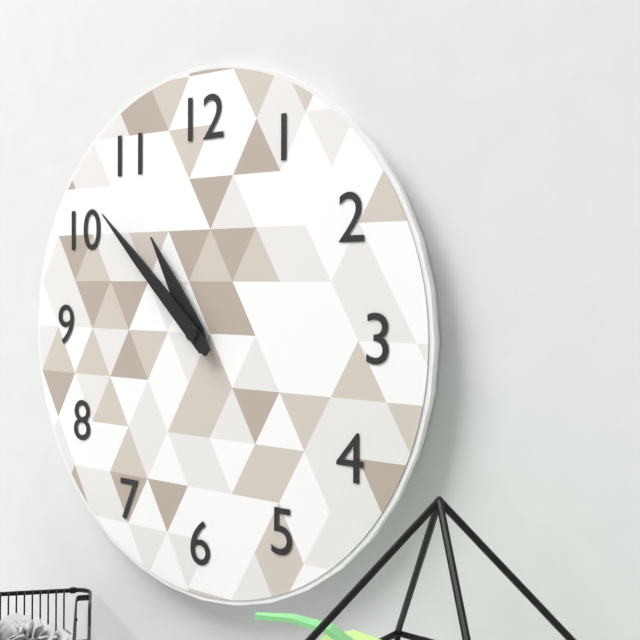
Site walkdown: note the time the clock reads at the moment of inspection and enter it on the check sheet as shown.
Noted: 10:52
